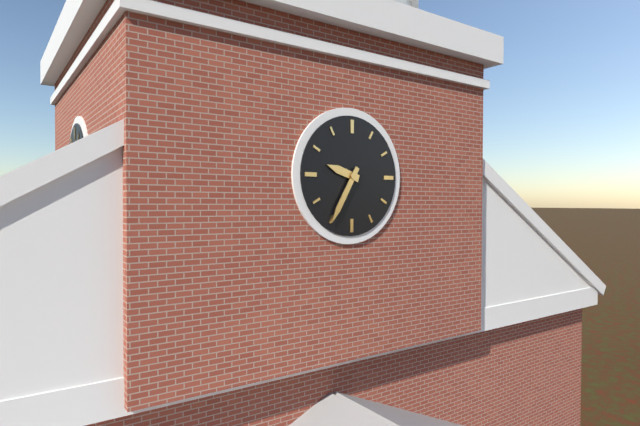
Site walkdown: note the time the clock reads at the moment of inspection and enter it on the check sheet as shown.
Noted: 9:35
